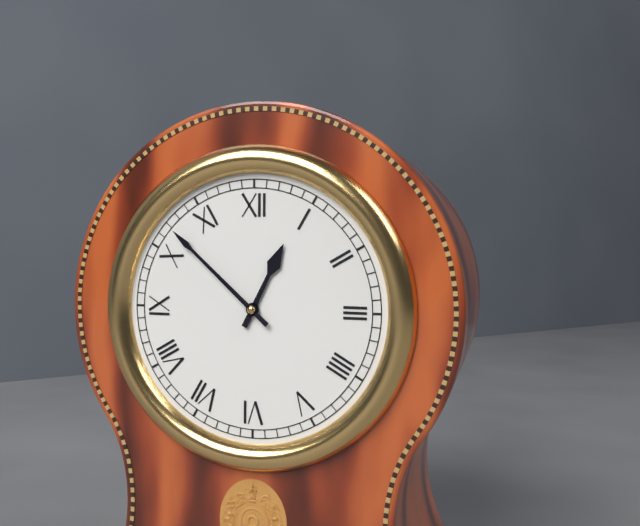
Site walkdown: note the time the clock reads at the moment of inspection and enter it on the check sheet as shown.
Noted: 12:52
